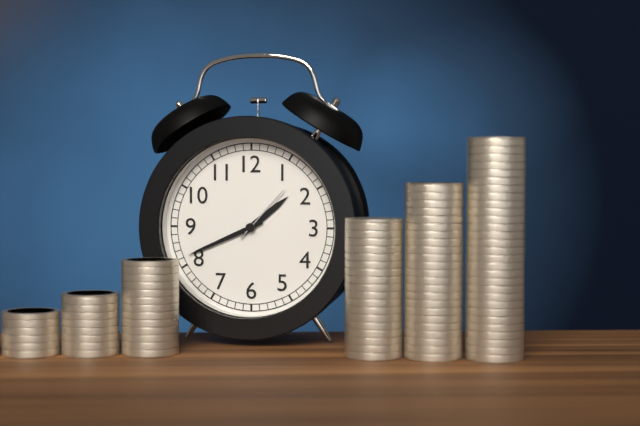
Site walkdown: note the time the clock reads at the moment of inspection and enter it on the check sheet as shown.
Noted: 1:41:07
